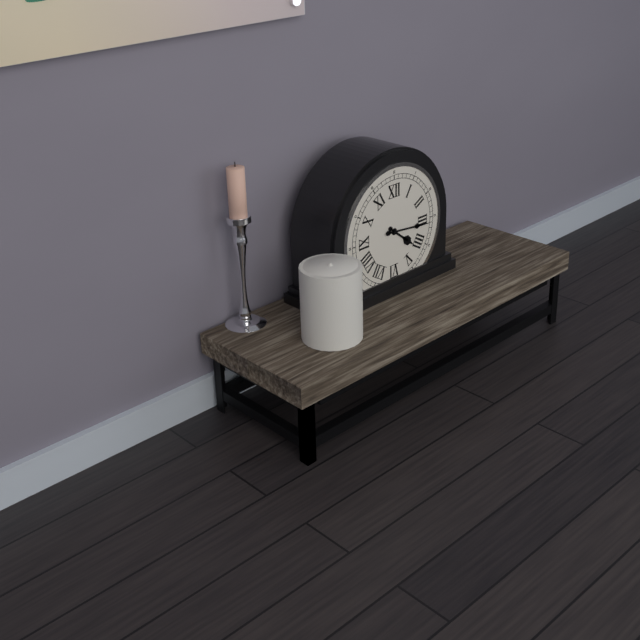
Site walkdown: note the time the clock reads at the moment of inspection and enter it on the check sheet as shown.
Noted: 4:16
